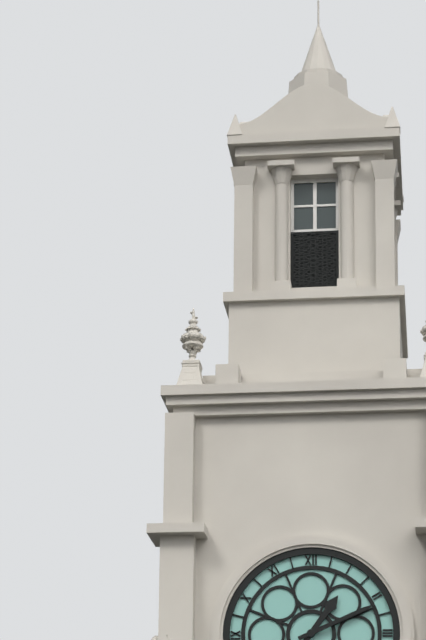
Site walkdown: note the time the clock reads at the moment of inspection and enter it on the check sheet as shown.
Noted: 1:11
